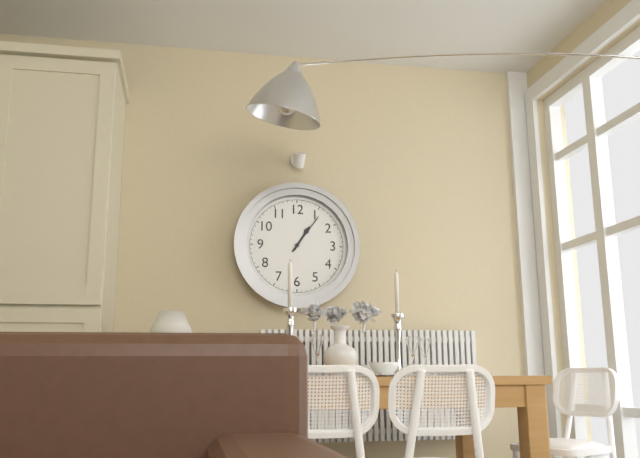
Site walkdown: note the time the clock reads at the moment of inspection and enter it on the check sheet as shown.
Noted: 1:06
